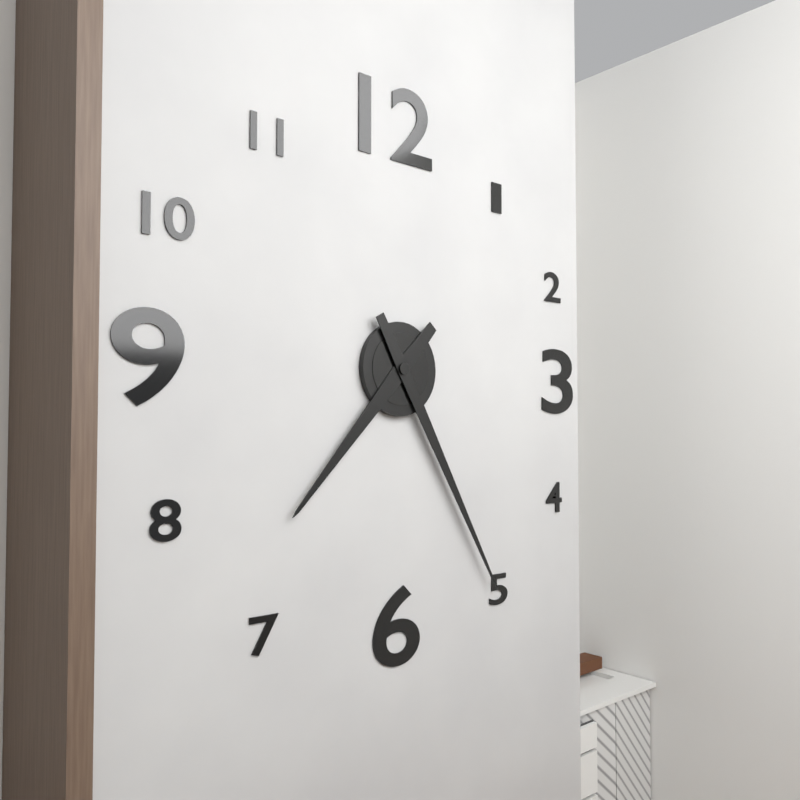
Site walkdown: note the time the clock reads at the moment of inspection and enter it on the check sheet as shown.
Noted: 7:25
